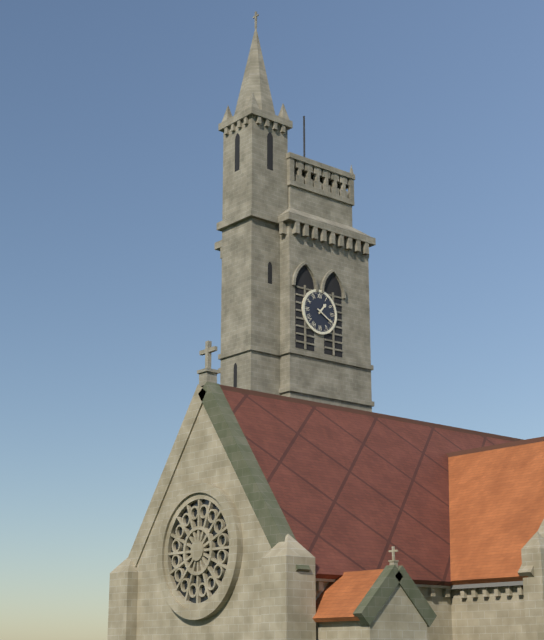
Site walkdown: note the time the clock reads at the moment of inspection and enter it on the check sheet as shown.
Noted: 1:20
